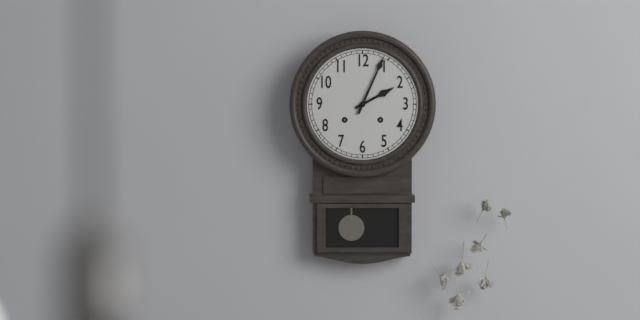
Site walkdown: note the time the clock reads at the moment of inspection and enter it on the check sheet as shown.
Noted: 2:04
